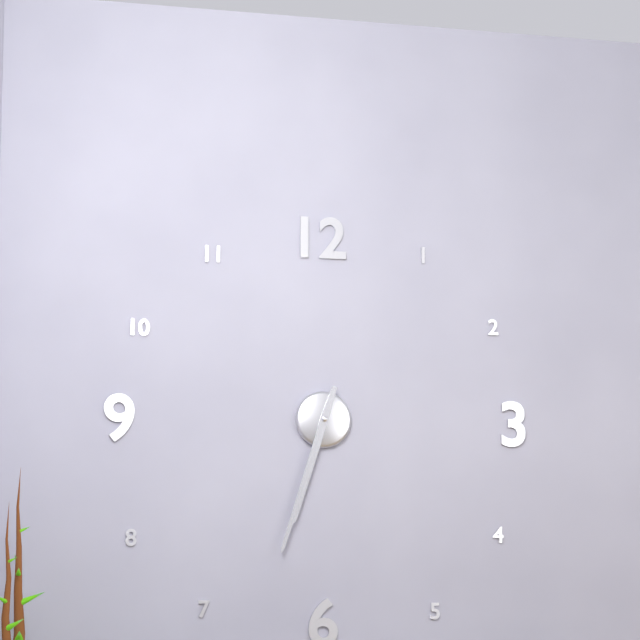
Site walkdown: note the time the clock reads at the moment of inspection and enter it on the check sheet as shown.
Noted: 6:33
